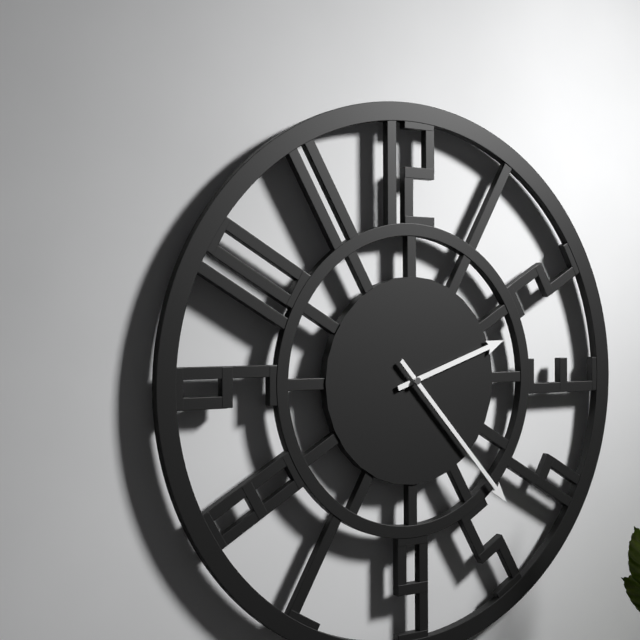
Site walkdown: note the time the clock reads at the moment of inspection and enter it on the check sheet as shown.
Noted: 2:23
